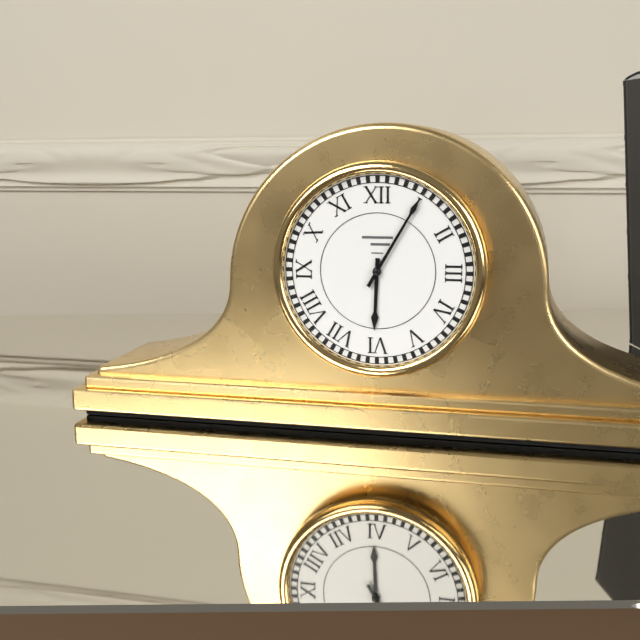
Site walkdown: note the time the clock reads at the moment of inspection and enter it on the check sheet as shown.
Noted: 6:05
